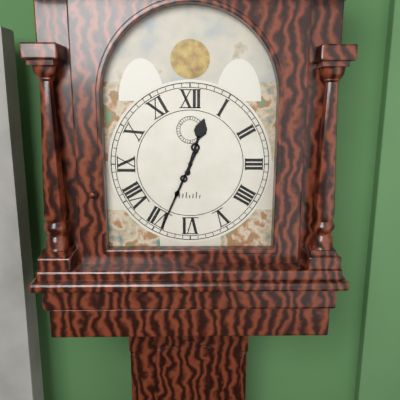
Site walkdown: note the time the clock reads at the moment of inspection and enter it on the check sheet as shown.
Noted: 12:34
